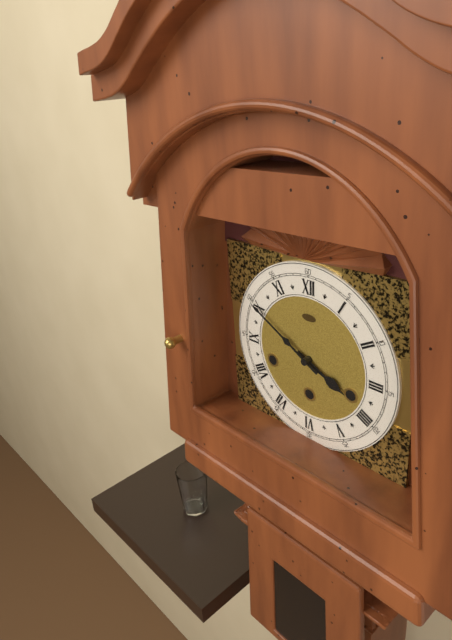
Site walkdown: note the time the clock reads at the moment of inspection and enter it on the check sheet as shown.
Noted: 3:50
